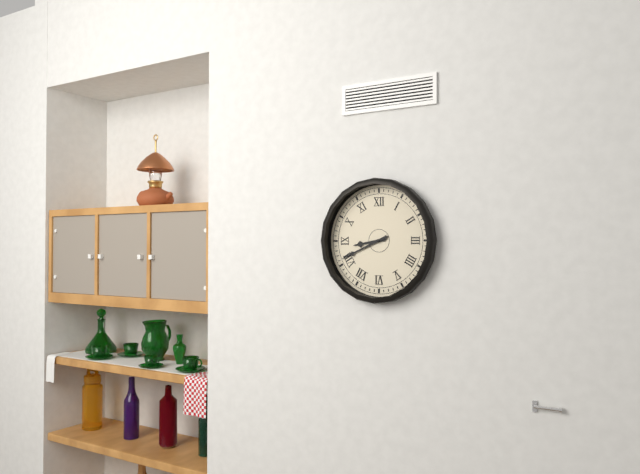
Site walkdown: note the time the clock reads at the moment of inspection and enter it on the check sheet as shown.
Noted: 8:41
